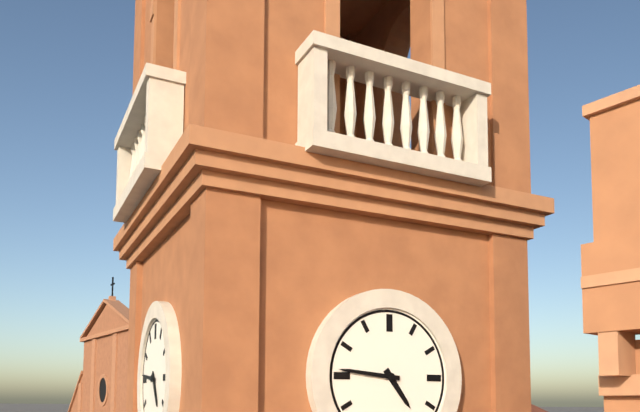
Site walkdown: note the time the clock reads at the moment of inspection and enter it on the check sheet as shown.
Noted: 4:46
